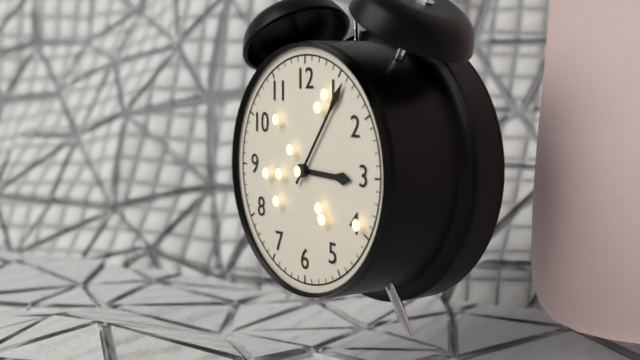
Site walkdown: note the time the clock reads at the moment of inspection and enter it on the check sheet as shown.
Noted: 3:06
